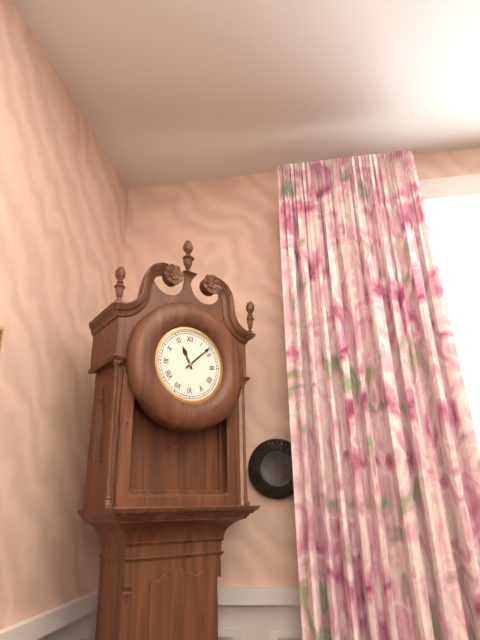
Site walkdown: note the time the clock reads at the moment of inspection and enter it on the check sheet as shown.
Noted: 11:08
